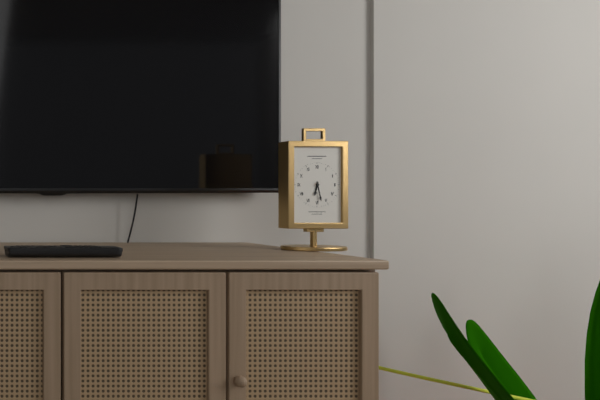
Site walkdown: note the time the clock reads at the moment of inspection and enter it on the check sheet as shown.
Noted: 6:28
